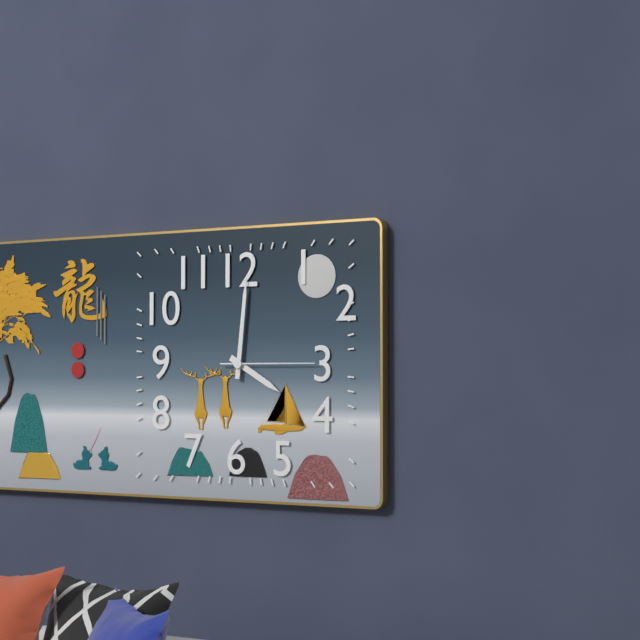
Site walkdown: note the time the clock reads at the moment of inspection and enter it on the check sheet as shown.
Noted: 4:01:15
